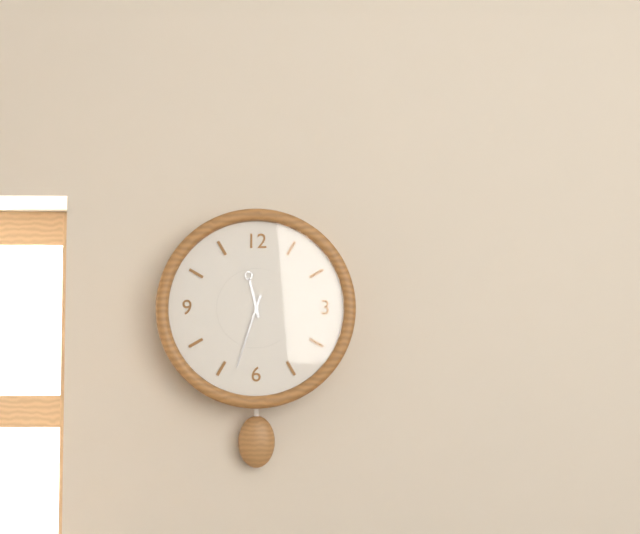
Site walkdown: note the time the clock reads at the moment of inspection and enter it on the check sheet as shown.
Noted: 11:33
